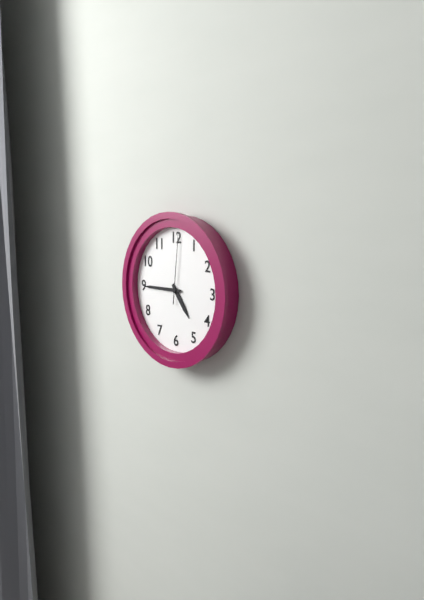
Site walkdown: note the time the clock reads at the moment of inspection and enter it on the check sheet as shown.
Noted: 4:45:01
